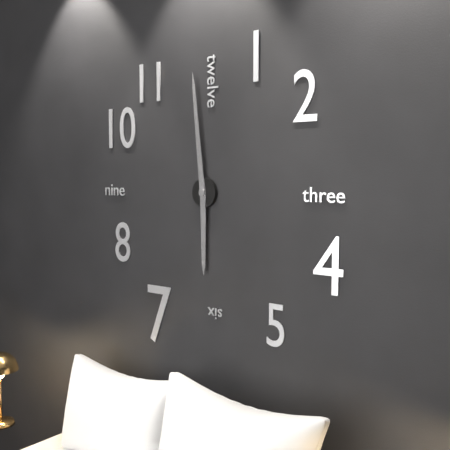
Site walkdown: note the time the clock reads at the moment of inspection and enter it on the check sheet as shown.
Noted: 5:59
